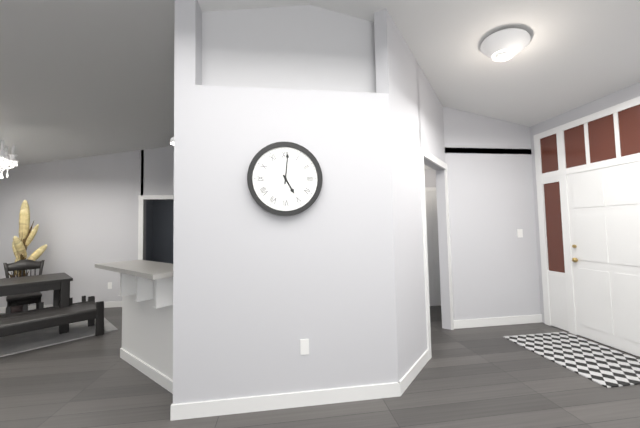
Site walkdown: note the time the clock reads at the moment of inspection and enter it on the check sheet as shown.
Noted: 5:01
